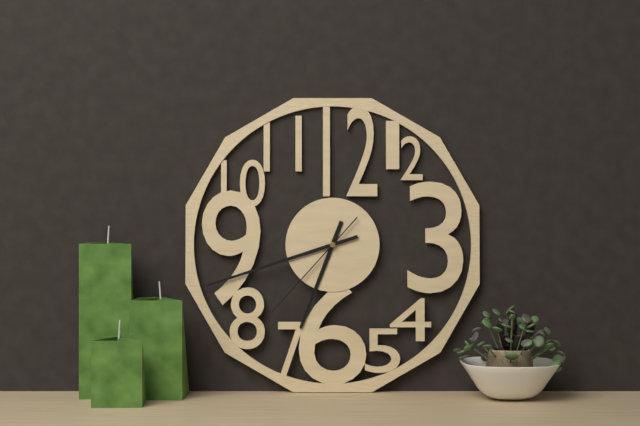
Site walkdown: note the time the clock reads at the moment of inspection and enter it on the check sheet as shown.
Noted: 6:42:37
